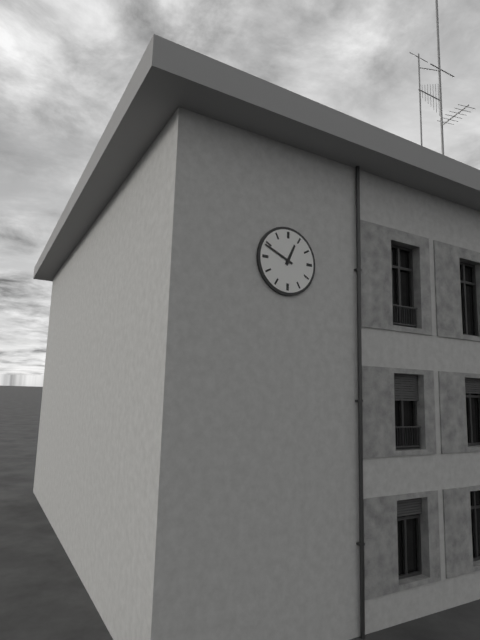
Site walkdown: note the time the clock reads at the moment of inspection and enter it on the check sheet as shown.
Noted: 12:49
